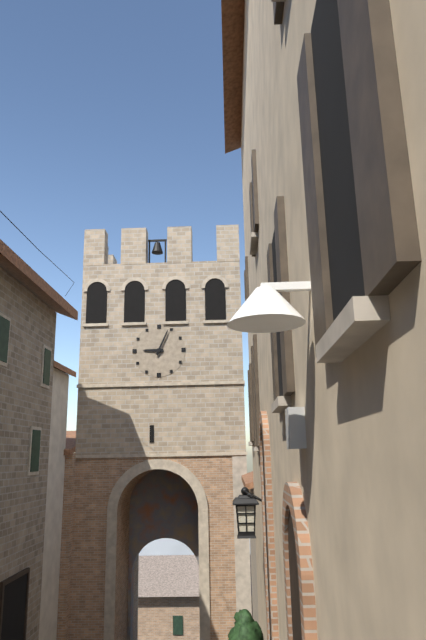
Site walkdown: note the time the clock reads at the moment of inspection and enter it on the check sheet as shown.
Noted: 9:04
